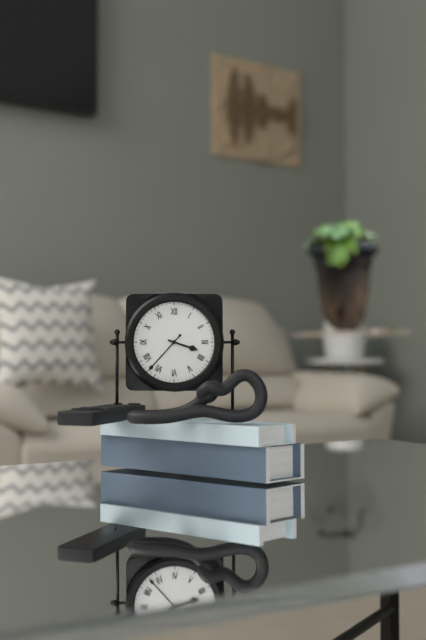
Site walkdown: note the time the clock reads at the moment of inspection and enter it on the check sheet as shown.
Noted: 3:37
